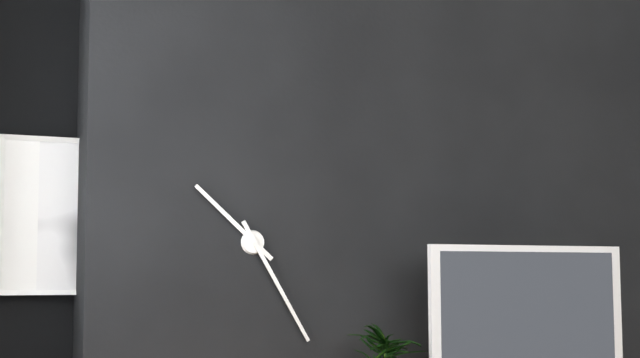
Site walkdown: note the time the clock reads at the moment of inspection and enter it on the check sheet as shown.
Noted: 10:25
